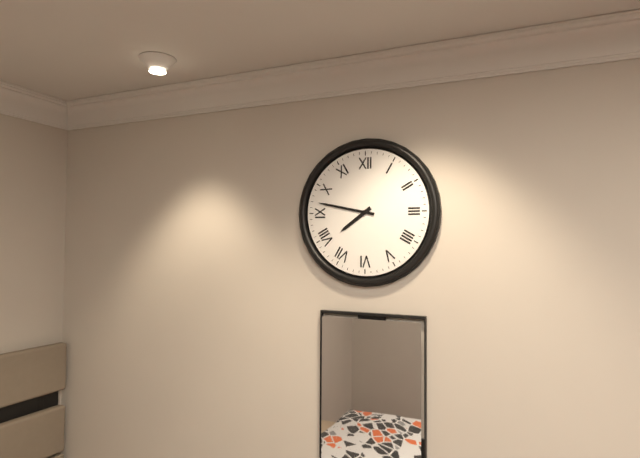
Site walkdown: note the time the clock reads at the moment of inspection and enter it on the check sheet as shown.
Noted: 7:47
